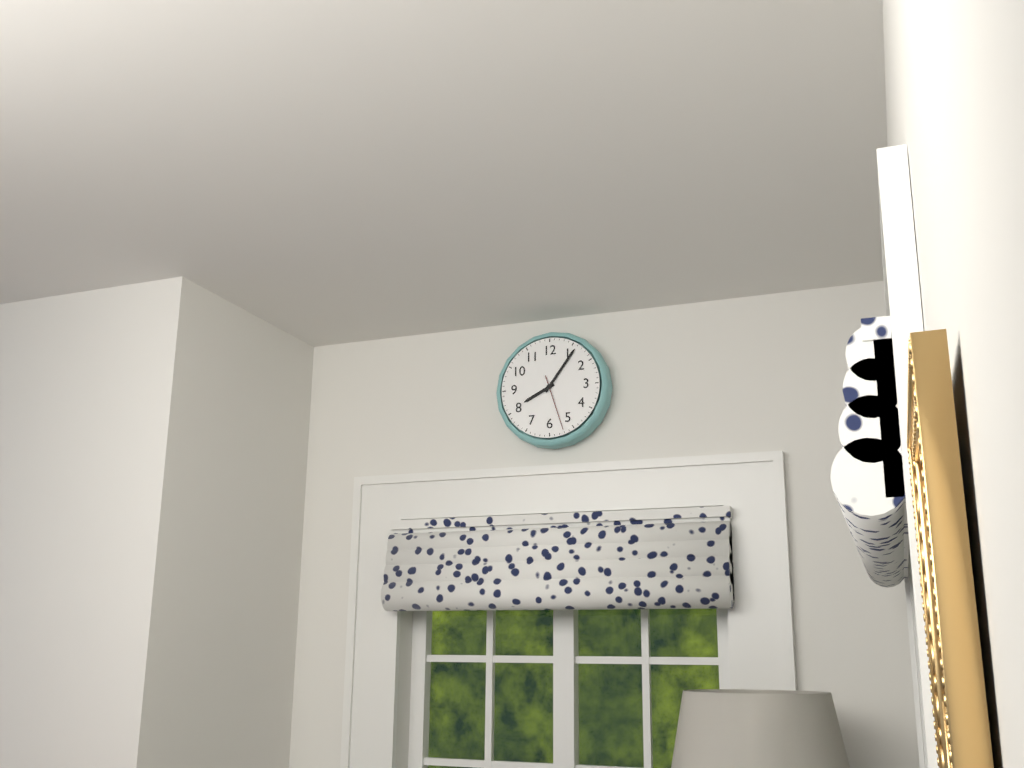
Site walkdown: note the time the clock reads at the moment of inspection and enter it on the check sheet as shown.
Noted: 8:06:27
